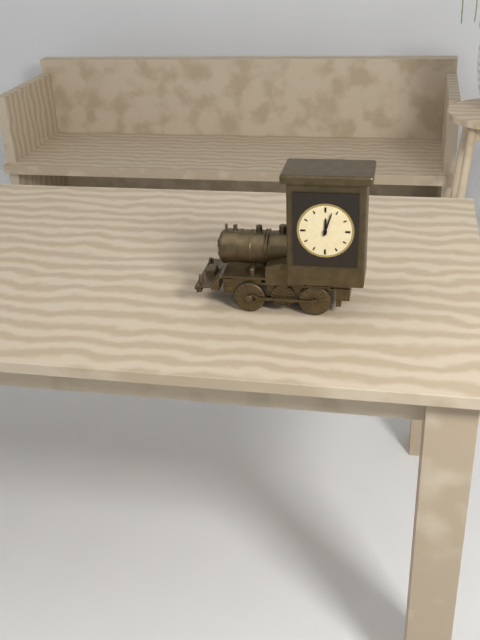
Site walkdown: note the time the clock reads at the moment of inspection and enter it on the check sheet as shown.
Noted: 12:03
